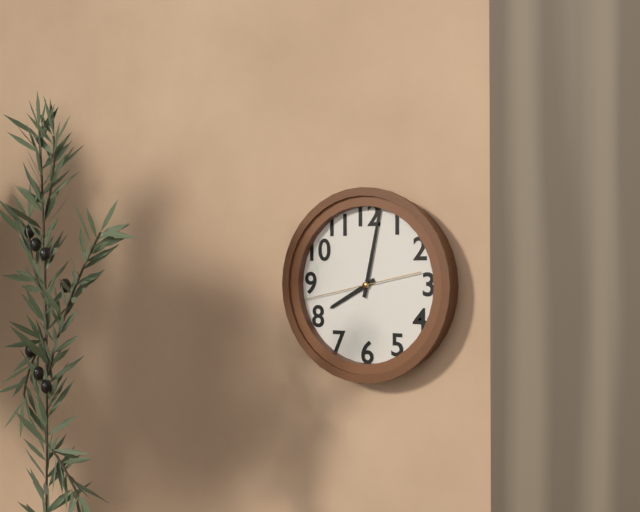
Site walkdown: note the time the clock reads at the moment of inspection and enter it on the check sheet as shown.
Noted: 8:02:43
